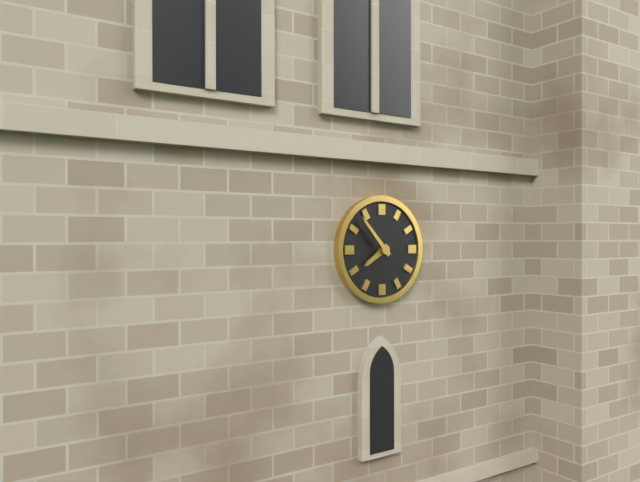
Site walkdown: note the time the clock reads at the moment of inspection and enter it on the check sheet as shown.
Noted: 7:53
